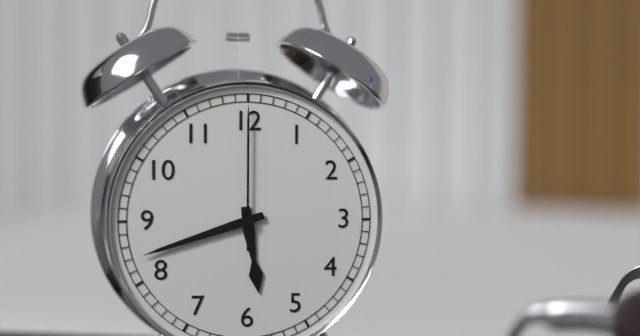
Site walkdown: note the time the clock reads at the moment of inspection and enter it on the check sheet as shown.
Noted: 5:42:00
